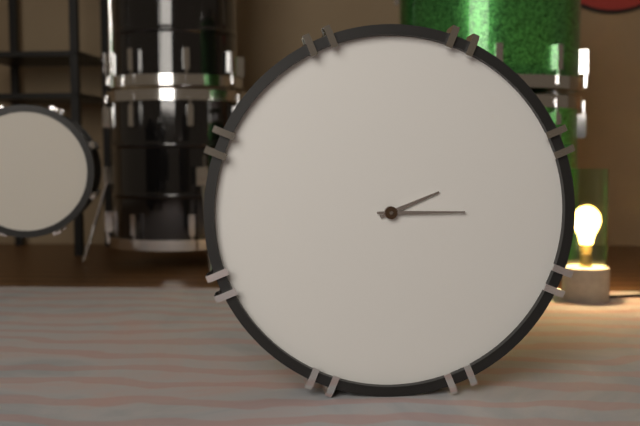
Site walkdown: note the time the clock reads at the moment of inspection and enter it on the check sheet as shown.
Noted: 2:15
